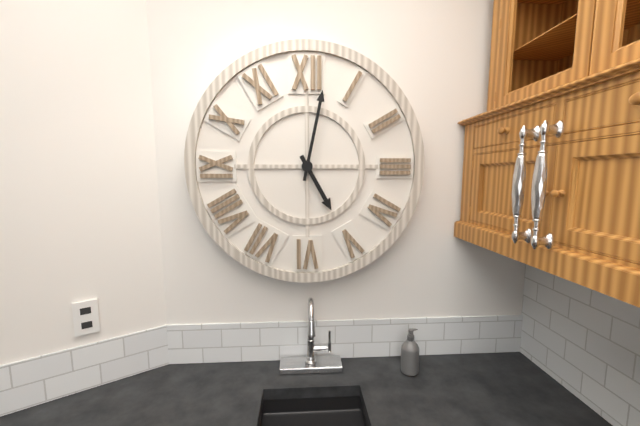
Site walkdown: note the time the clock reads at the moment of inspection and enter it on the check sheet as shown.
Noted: 5:02
